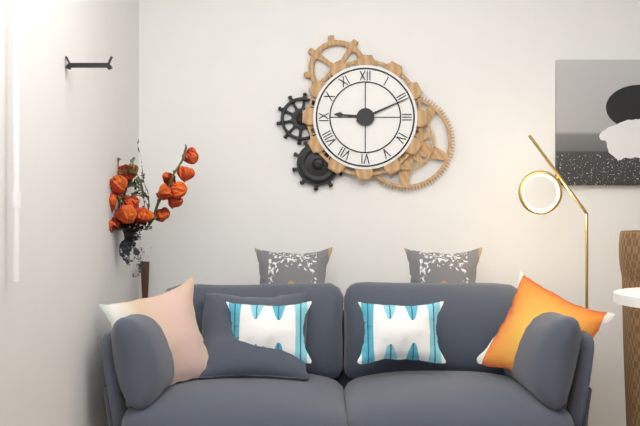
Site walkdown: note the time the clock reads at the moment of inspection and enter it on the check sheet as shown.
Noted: 9:11
